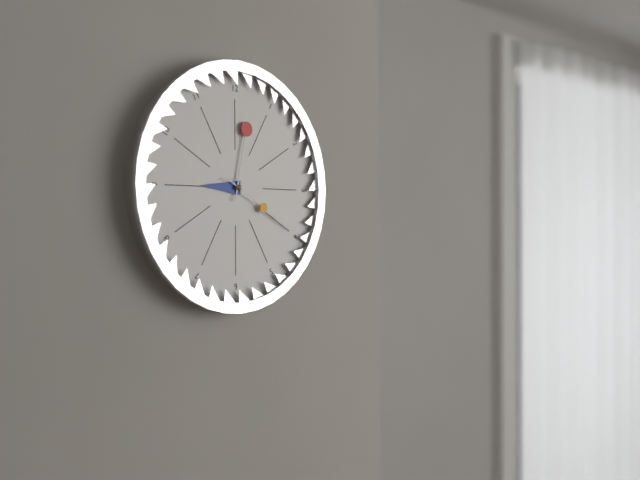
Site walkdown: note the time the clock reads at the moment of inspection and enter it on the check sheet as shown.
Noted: 9:02:20
